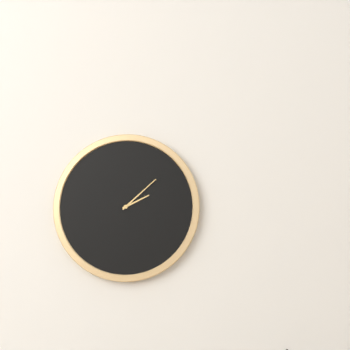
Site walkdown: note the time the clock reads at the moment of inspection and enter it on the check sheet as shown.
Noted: 2:08
